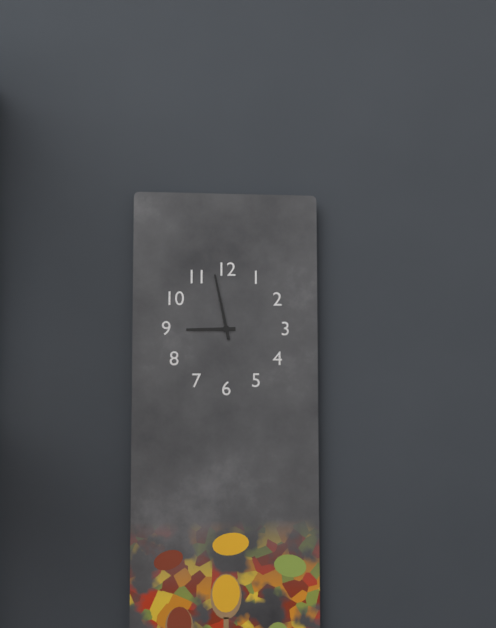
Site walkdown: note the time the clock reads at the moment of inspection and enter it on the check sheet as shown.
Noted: 8:58
